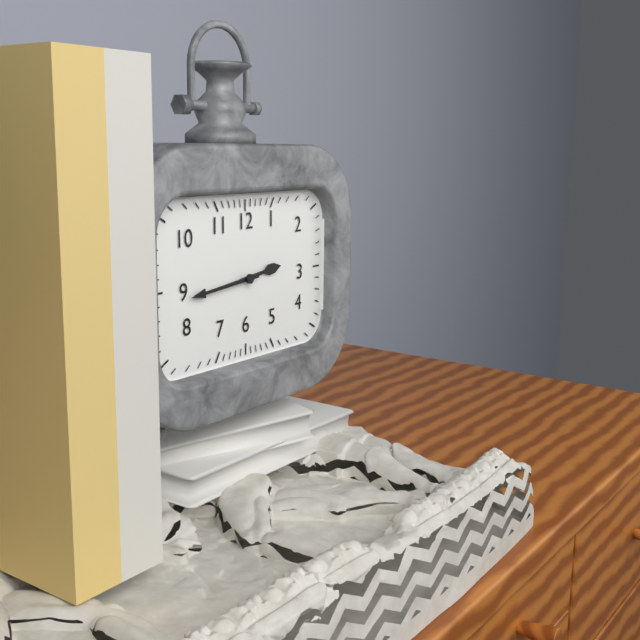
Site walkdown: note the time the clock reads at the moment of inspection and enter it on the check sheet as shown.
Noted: 2:44
